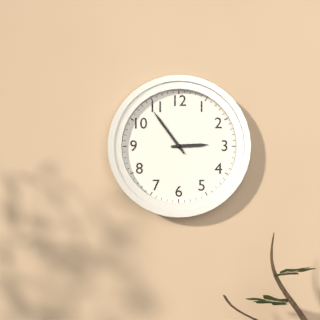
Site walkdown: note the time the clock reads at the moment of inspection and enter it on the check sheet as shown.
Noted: 2:54
